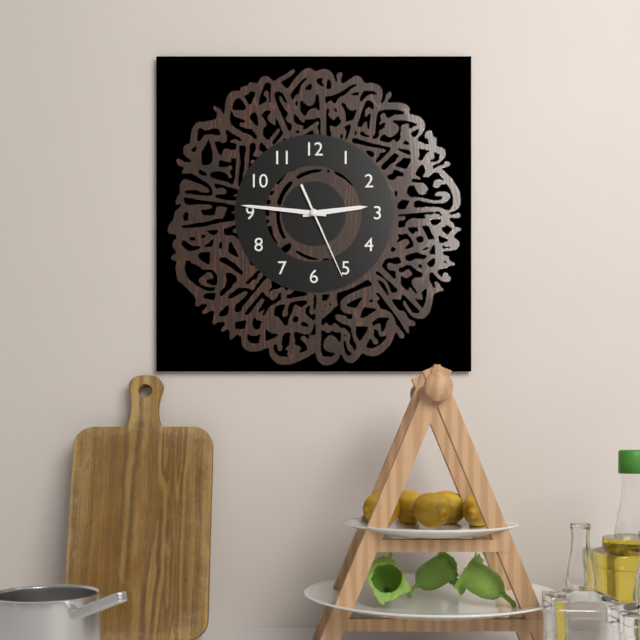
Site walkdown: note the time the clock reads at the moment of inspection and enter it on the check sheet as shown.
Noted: 2:46:26
